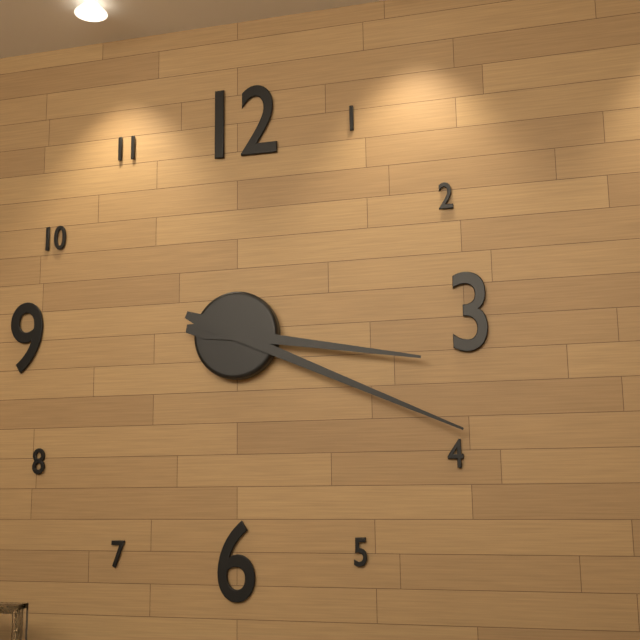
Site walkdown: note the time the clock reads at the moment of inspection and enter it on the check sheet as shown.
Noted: 3:19
